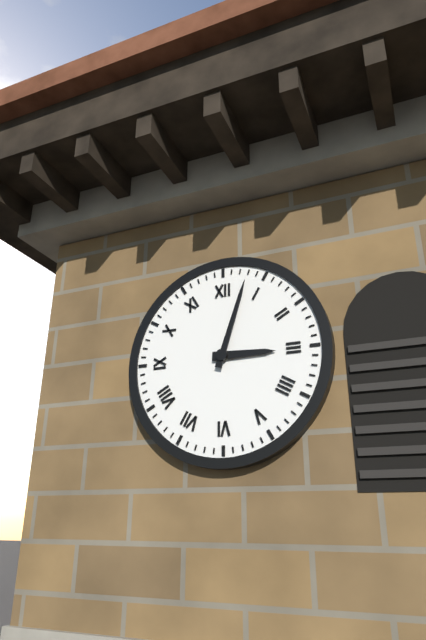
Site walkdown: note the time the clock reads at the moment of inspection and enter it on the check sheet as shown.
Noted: 3:03
